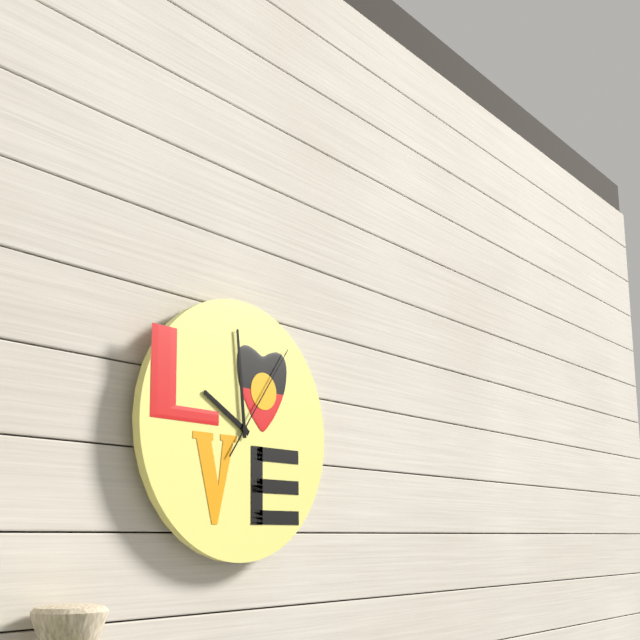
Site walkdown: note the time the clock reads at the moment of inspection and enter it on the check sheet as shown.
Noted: 9:59:06
